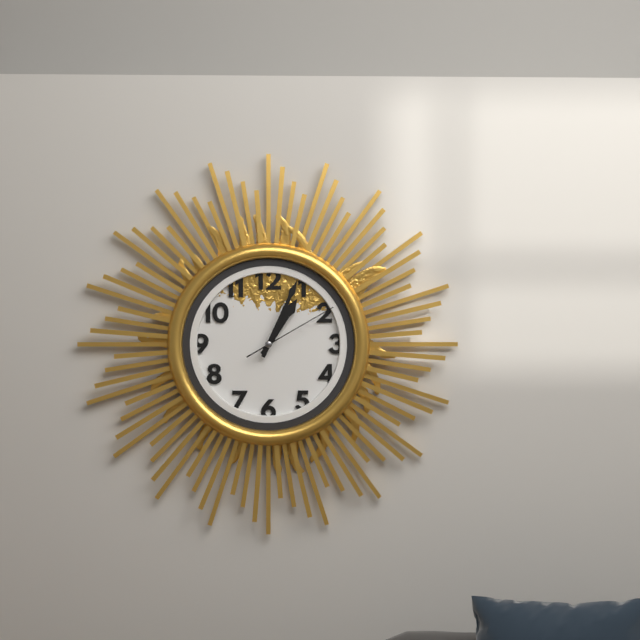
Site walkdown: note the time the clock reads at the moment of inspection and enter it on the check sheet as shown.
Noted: 1:04:10
